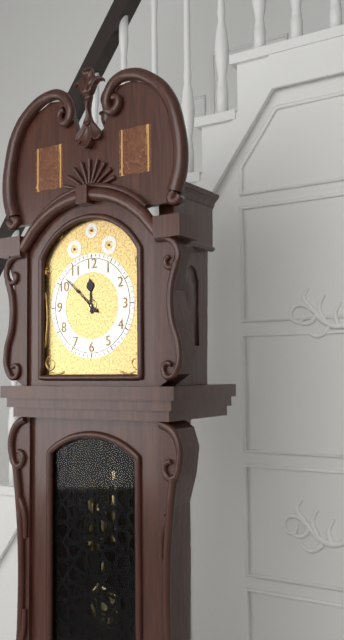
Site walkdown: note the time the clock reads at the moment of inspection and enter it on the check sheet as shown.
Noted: 11:52
